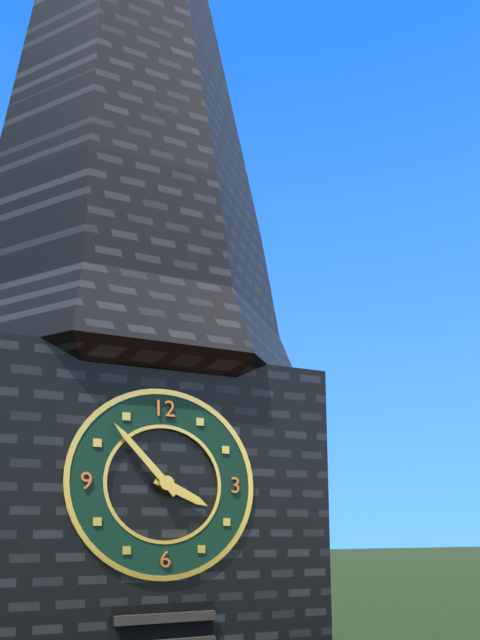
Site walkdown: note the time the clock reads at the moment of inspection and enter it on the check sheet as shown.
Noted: 3:53
